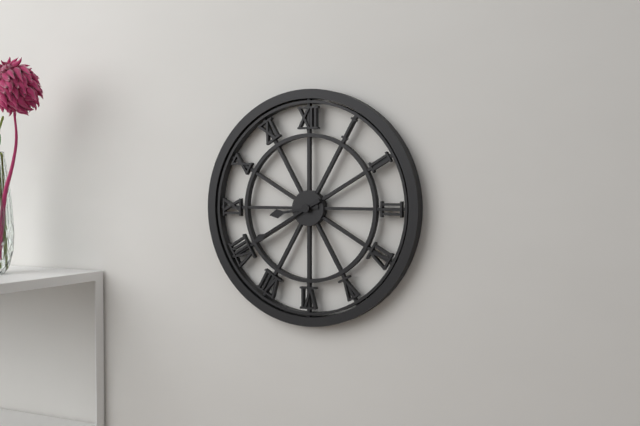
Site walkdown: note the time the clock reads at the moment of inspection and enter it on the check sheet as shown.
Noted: 8:40
